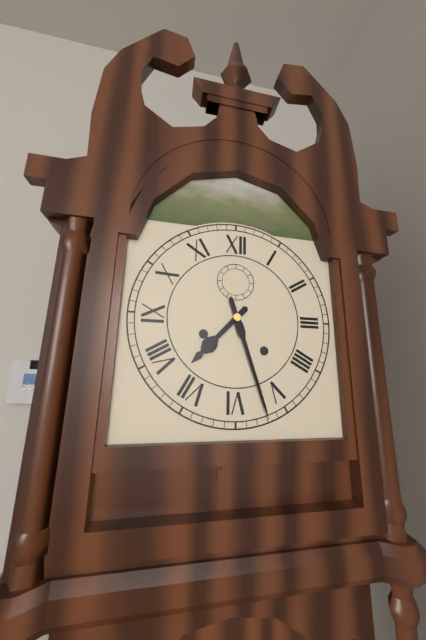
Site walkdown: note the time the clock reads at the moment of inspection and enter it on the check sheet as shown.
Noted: 7:27
